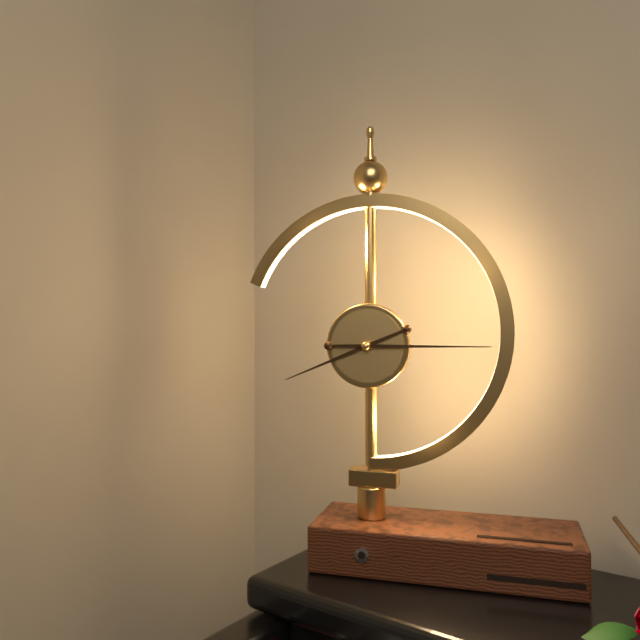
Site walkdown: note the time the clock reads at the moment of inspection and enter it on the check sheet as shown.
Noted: 8:15
